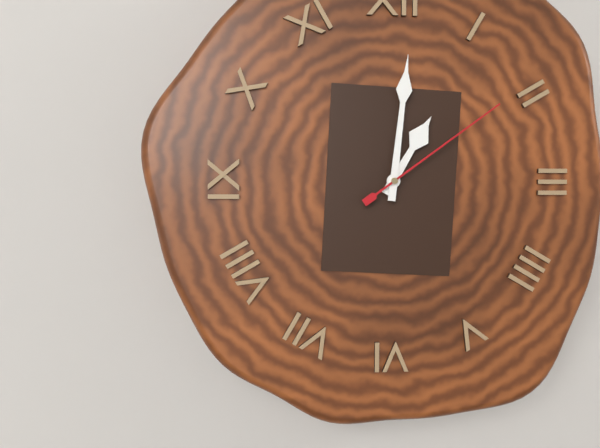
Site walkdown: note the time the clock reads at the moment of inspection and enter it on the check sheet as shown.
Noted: 1:01:09
